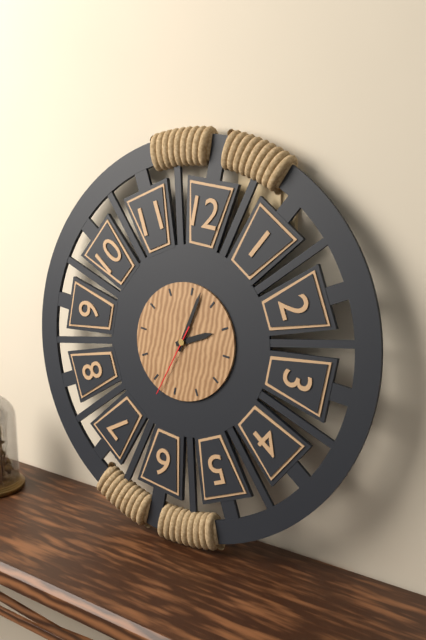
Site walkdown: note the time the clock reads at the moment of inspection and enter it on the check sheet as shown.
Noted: 2:02:33
